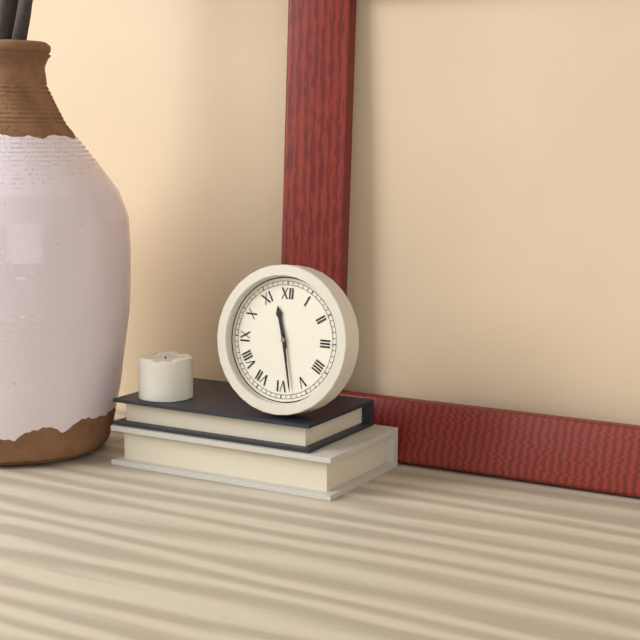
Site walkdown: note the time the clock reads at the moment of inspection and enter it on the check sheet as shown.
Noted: 11:28
